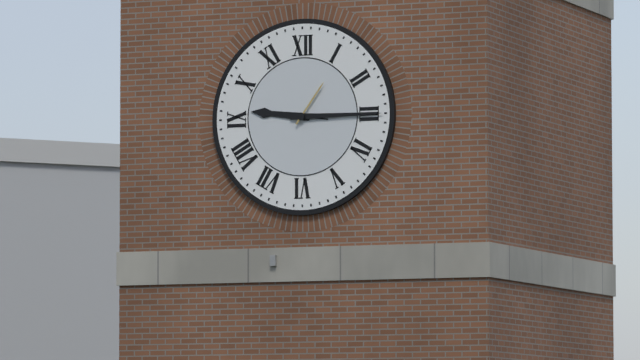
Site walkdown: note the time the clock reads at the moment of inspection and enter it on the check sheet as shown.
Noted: 9:15:06
